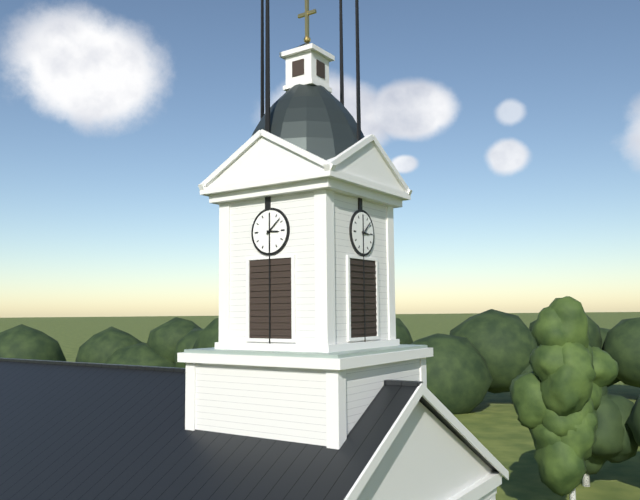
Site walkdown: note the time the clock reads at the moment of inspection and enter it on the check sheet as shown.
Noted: 3:08
